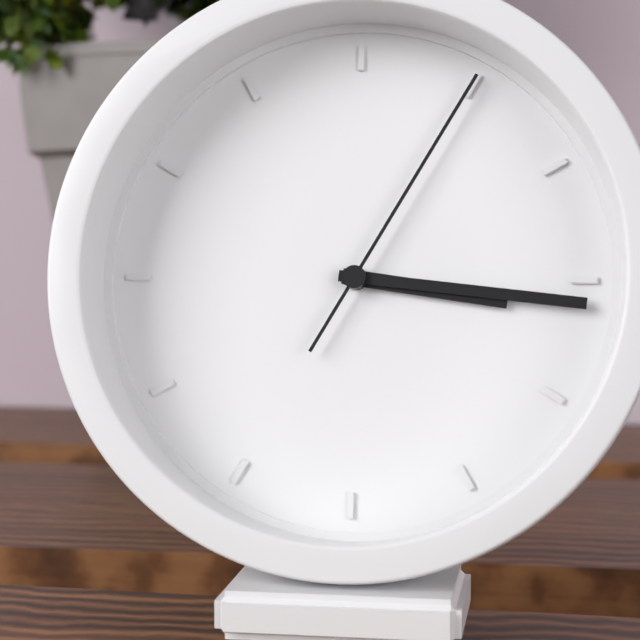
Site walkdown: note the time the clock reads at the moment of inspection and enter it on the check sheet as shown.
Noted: 3:16:05
